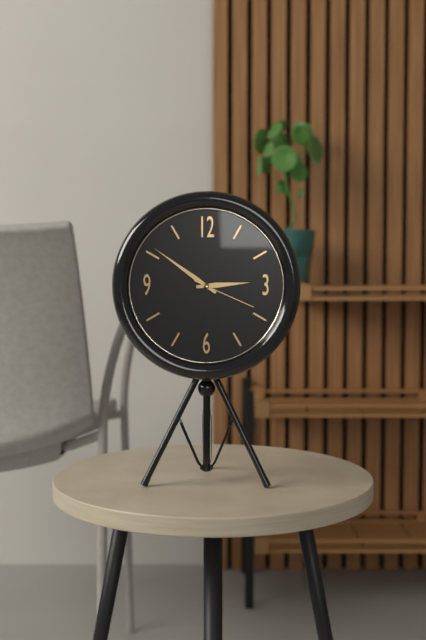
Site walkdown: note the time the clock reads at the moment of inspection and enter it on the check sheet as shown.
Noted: 2:51:19
